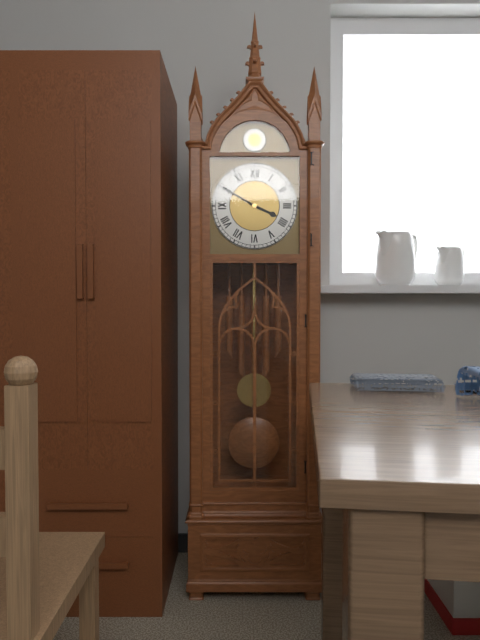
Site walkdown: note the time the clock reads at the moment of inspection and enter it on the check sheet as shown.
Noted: 3:50
